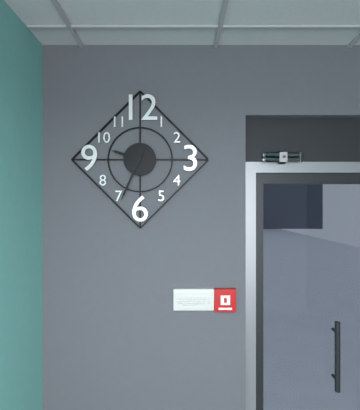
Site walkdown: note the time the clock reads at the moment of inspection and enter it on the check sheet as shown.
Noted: 9:34
